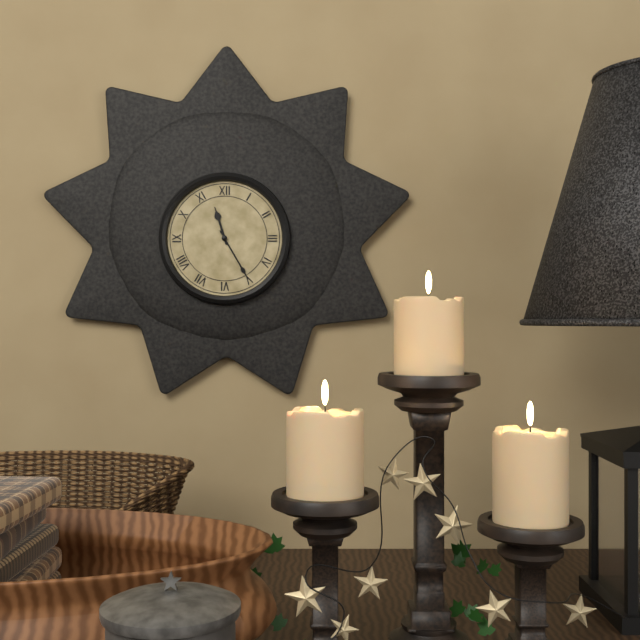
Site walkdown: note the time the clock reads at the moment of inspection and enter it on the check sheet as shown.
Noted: 11:25
